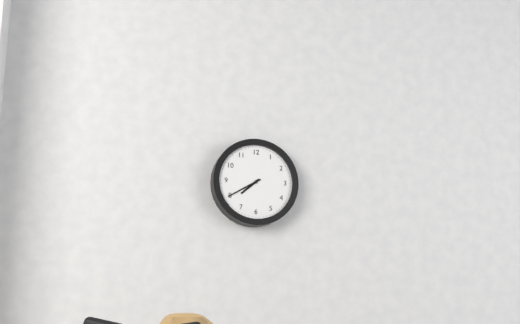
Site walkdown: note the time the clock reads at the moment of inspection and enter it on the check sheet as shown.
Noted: 7:40
